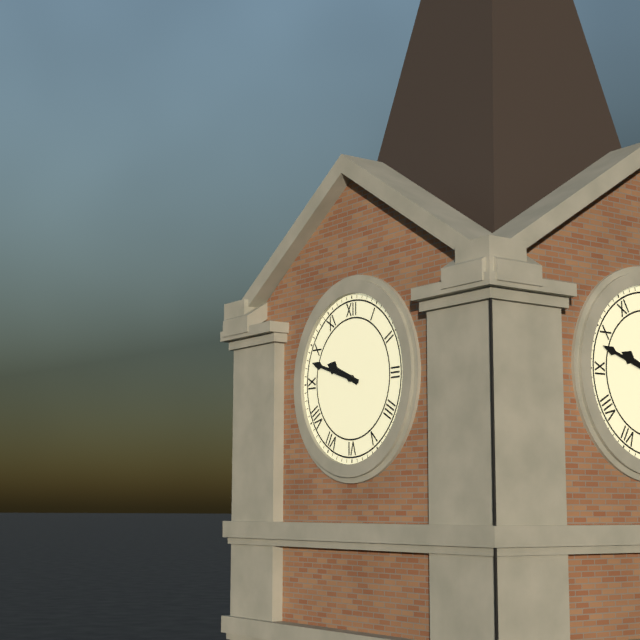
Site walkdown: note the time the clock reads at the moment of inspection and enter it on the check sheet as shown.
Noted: 9:48
